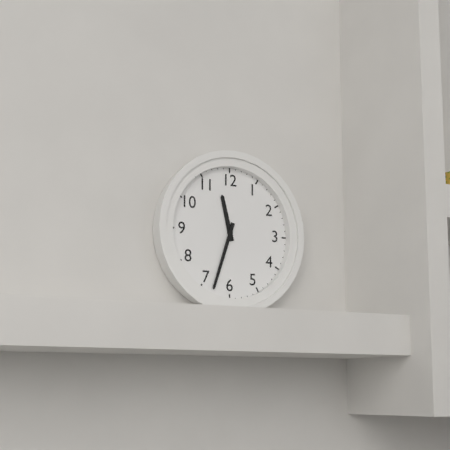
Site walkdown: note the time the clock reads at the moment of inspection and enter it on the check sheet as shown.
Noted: 11:33
